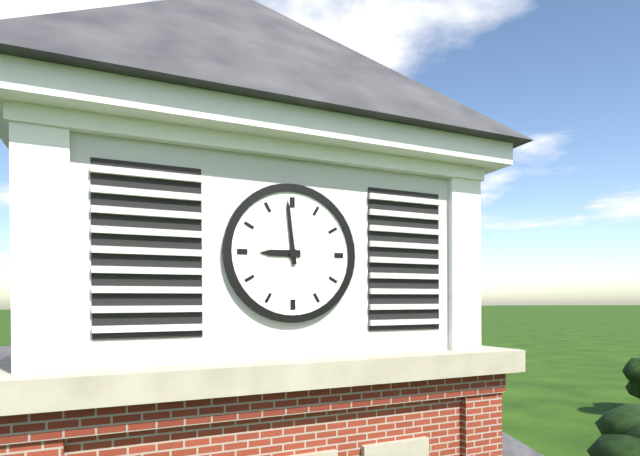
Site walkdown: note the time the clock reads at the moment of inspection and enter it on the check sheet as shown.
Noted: 8:59
